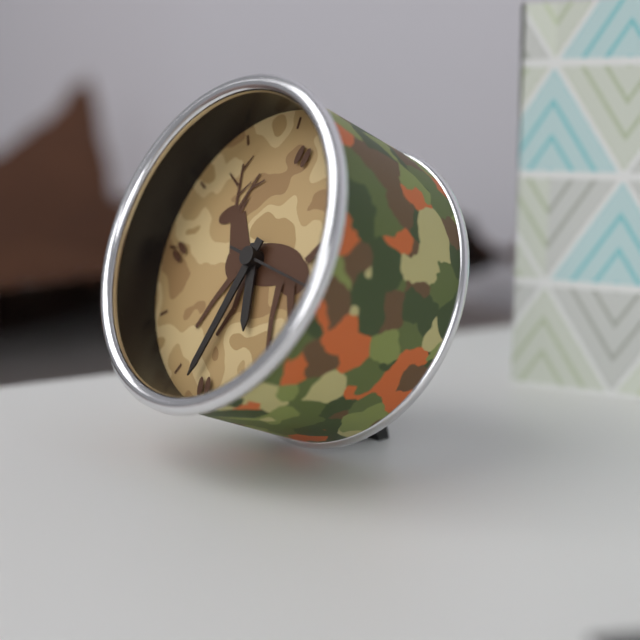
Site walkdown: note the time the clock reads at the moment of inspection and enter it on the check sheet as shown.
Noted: 5:33:17
